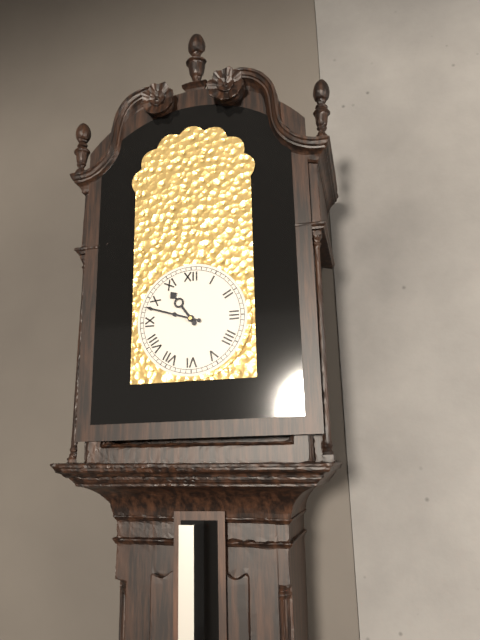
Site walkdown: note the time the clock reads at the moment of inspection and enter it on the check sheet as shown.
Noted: 10:48
